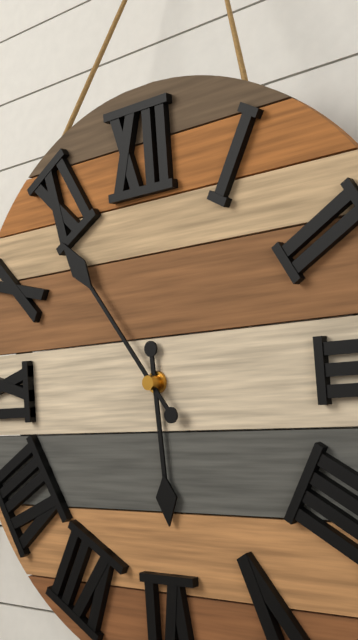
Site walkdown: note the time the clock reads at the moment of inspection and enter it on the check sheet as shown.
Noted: 5:54
